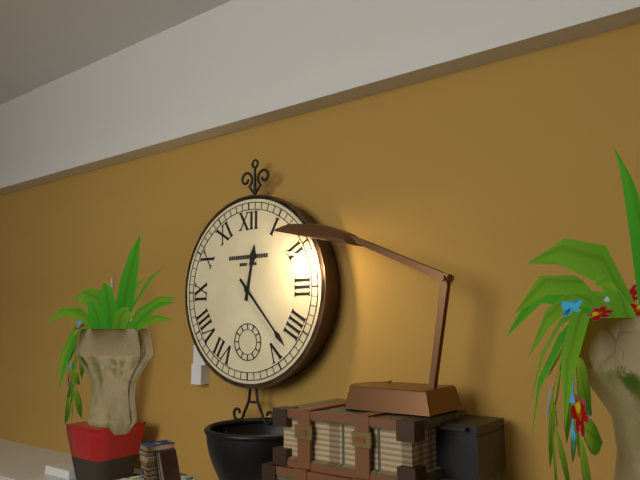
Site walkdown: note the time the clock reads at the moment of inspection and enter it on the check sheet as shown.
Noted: 12:23
